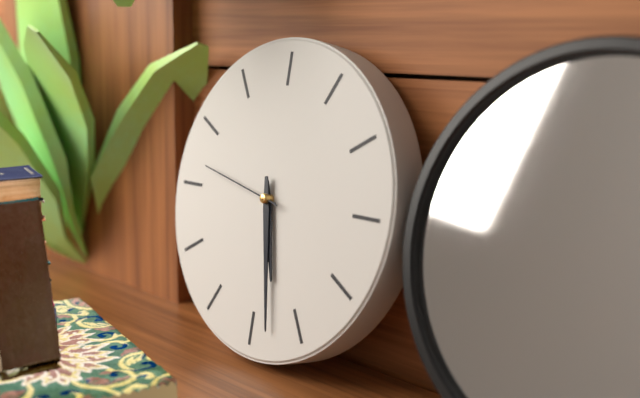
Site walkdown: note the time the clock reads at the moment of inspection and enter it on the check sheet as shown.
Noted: 5:28:47
